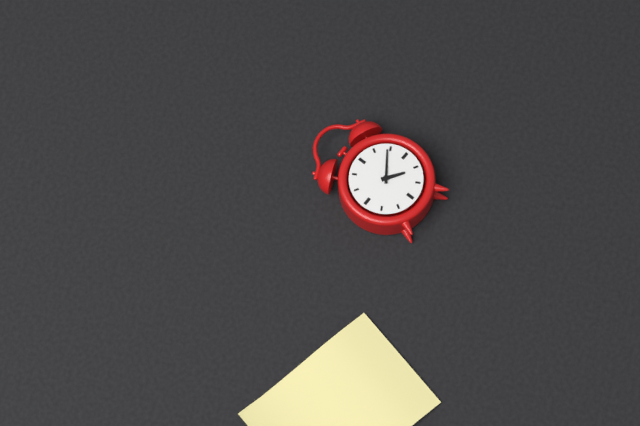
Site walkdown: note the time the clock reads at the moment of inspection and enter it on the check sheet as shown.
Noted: 4:09
